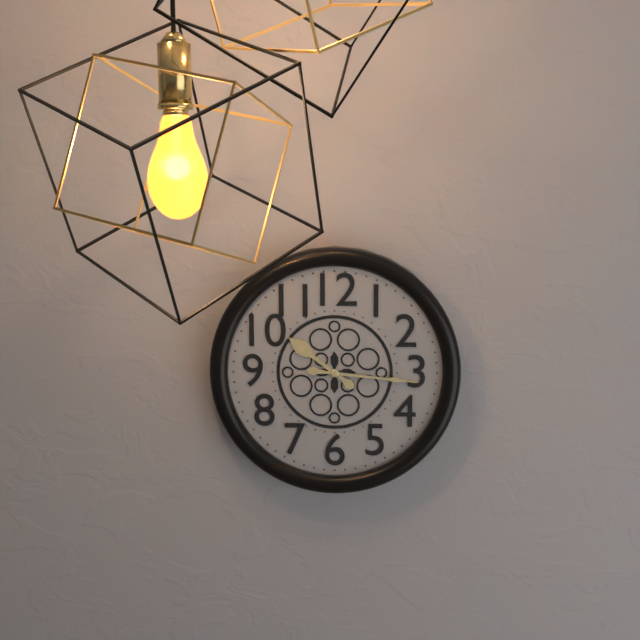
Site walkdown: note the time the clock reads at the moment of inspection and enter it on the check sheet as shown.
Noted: 10:16
